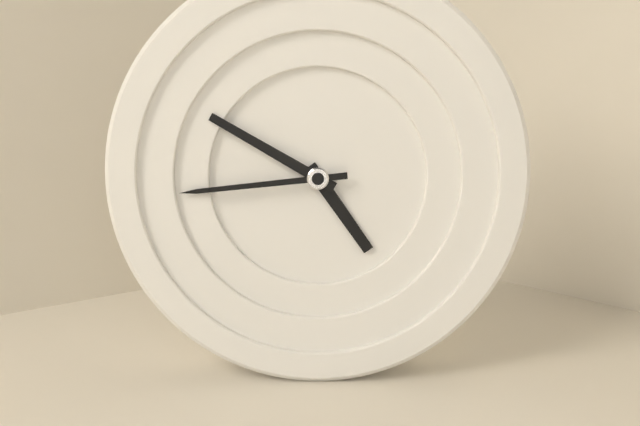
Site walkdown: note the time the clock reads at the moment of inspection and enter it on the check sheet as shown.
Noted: 4:50:44
